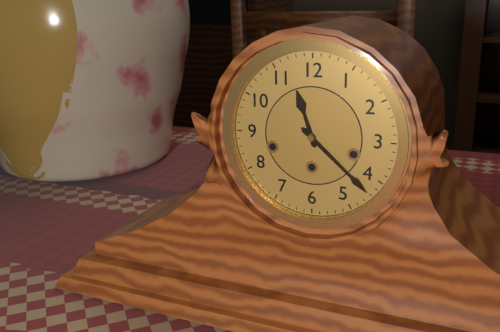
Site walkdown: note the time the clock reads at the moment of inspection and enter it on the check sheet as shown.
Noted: 11:22
